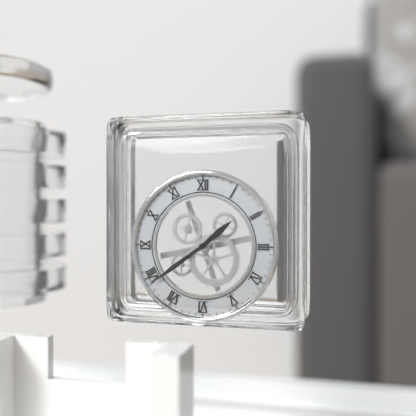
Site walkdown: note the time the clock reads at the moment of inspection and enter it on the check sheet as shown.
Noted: 1:39
